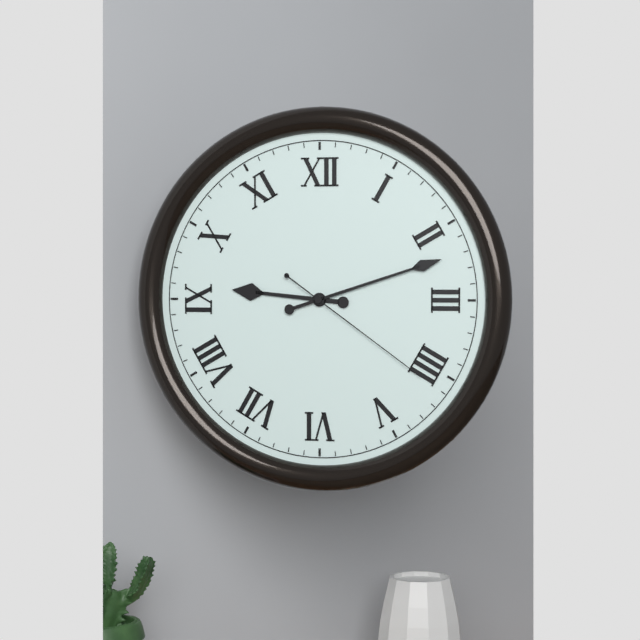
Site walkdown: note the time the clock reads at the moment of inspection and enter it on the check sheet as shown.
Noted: 9:12:21
